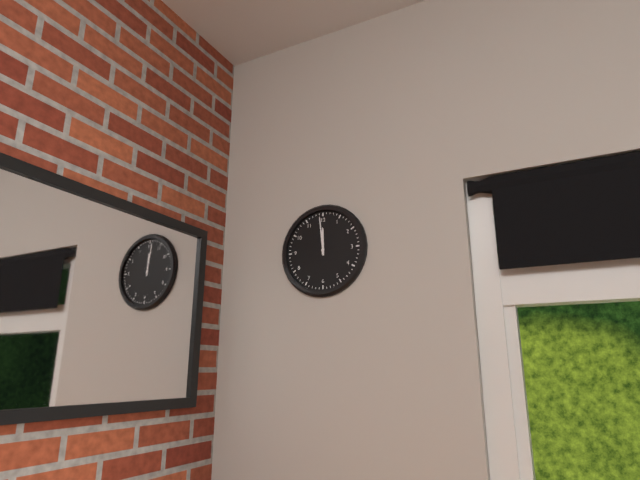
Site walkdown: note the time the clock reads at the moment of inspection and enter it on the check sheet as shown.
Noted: 11:59
